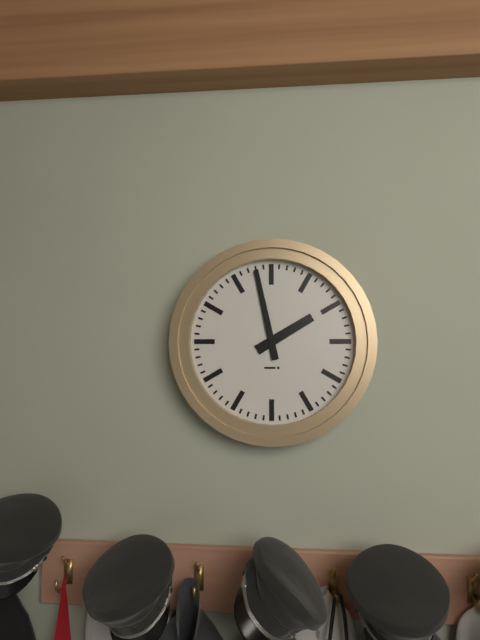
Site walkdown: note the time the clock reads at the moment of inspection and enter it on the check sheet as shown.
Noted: 1:58
